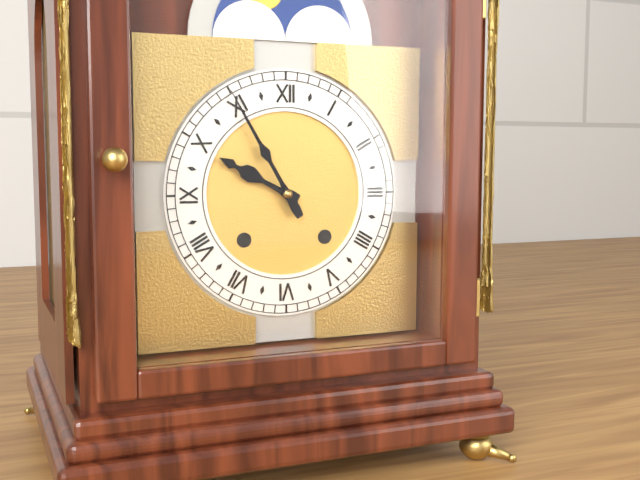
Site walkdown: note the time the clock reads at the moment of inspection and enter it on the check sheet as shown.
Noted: 9:55
